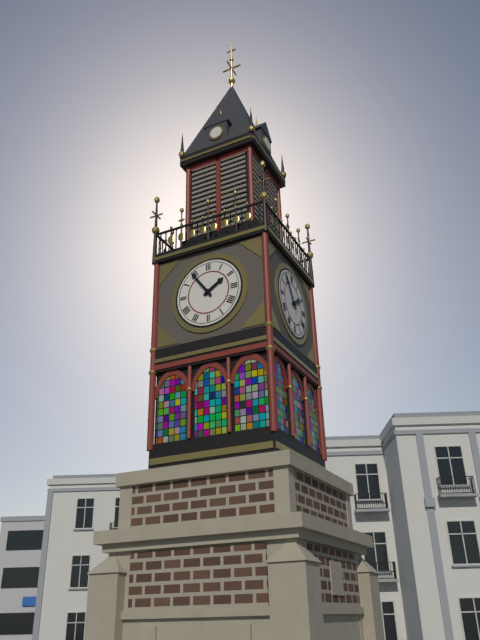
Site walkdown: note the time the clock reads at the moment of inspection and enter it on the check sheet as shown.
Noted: 1:54
